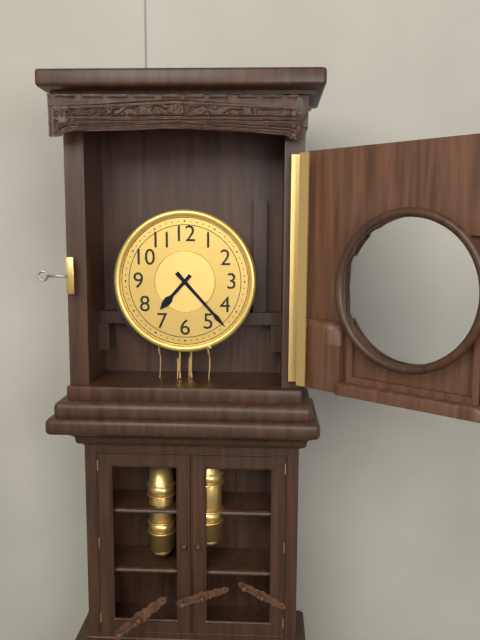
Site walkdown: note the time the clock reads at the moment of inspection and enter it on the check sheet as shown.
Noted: 7:23
